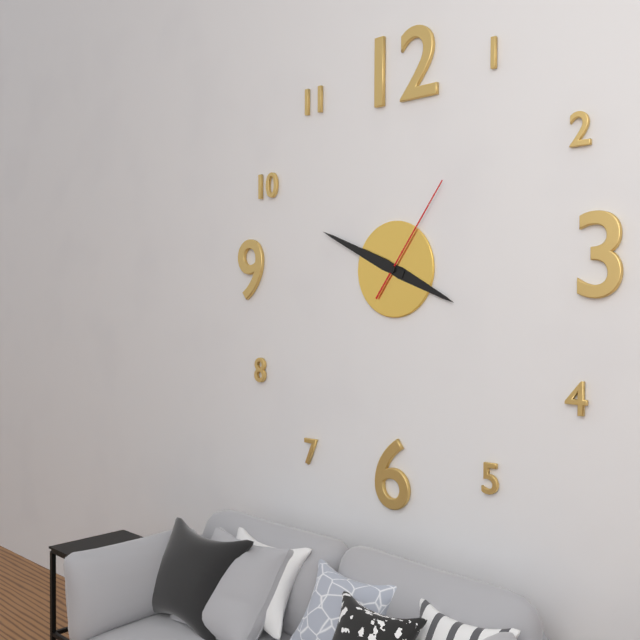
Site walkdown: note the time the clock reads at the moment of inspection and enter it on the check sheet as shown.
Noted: 3:49:06
